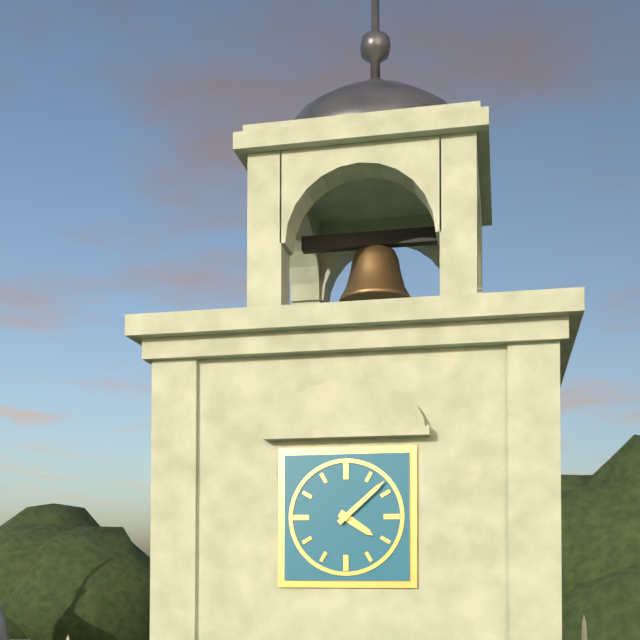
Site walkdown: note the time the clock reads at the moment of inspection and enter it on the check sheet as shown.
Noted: 4:08
